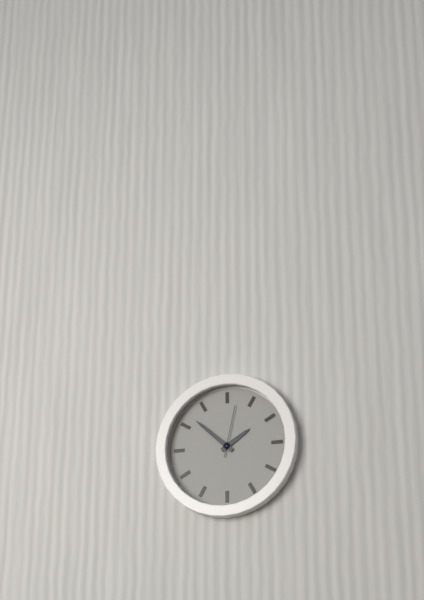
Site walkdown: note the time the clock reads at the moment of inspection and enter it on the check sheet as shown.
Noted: 1:52:02
